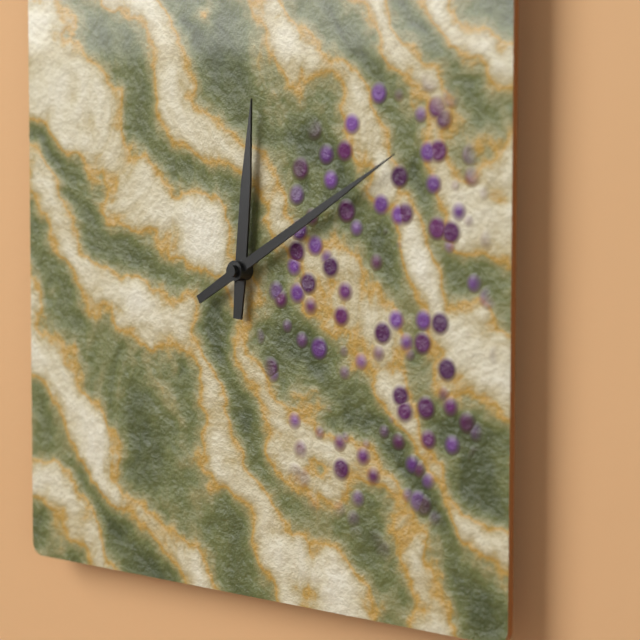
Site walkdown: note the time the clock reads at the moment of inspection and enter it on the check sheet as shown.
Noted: 12:10
